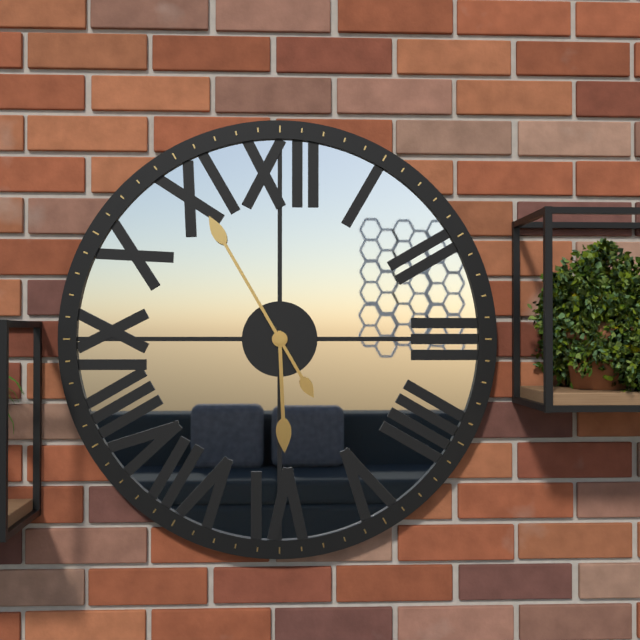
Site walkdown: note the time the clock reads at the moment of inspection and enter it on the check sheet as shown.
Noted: 5:55
